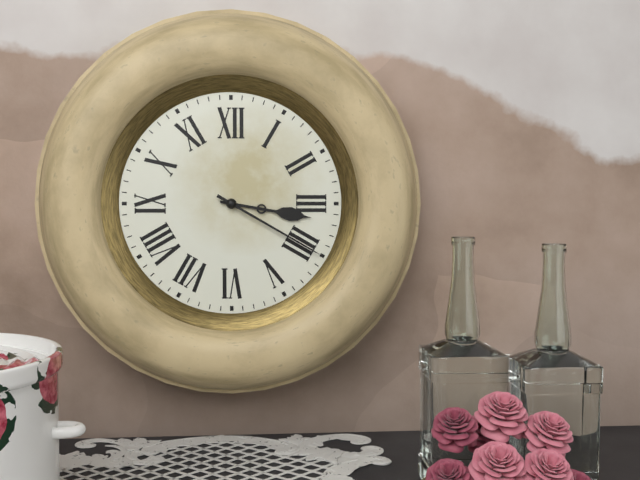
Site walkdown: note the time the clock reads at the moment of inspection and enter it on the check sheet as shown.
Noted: 3:20
